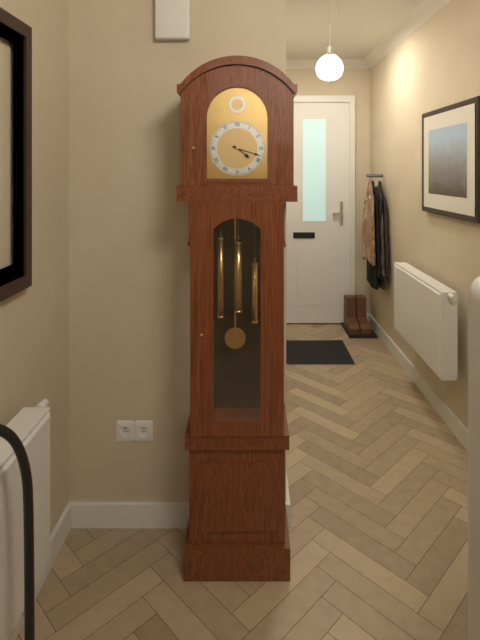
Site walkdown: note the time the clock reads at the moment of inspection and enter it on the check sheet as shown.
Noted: 4:18
